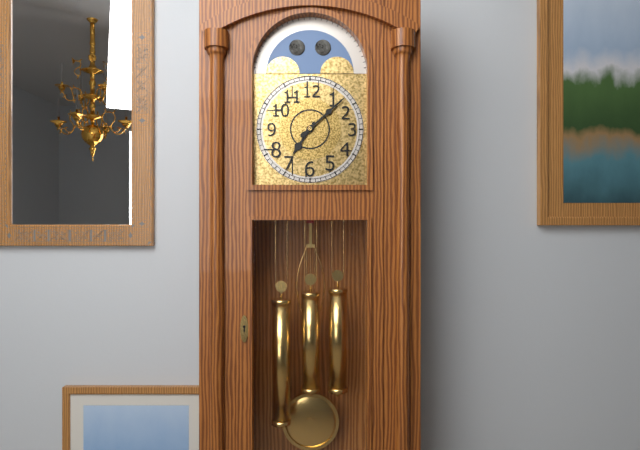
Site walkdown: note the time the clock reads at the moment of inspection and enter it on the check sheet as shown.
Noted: 7:08
